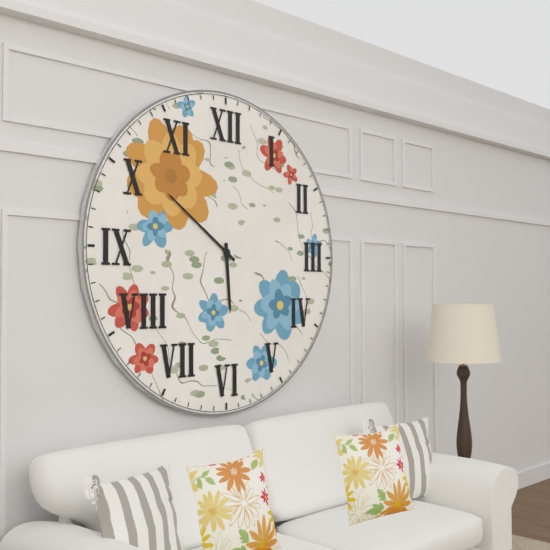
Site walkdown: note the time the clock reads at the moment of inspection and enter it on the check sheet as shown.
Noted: 5:51
